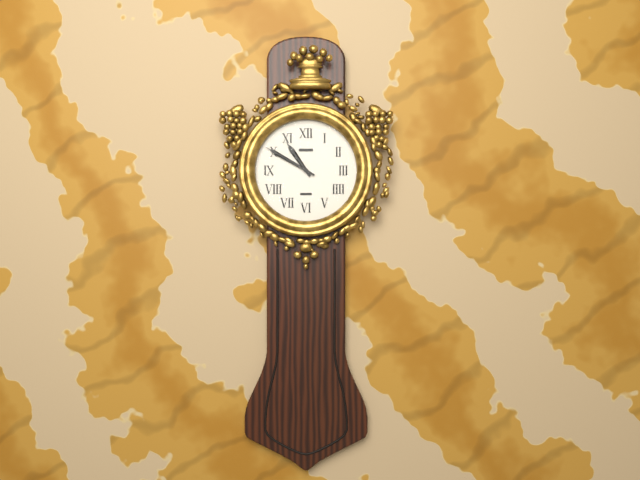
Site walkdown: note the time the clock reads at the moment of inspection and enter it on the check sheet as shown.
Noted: 10:50
